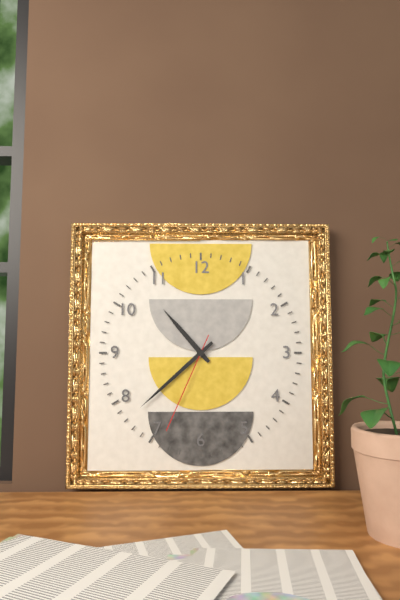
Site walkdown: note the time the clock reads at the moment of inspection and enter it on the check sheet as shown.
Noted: 10:38:34
